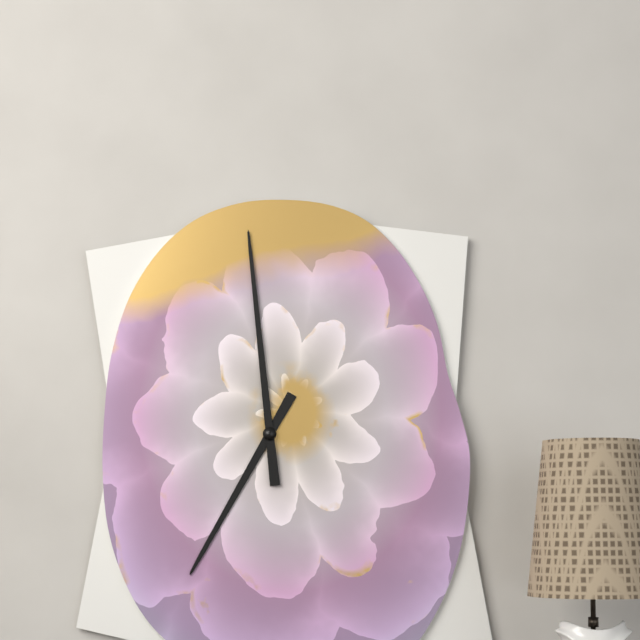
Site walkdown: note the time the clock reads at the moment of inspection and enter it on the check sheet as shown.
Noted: 6:59
